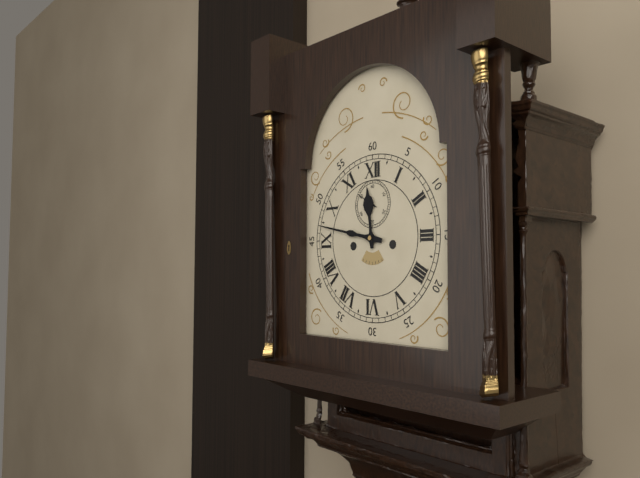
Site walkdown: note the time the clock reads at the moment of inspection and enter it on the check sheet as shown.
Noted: 11:47
